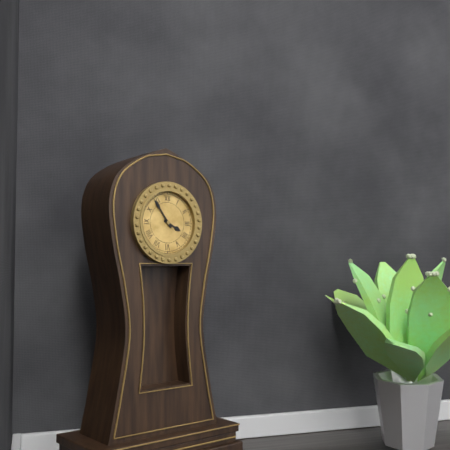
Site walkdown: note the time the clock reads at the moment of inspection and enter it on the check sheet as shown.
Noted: 3:54
